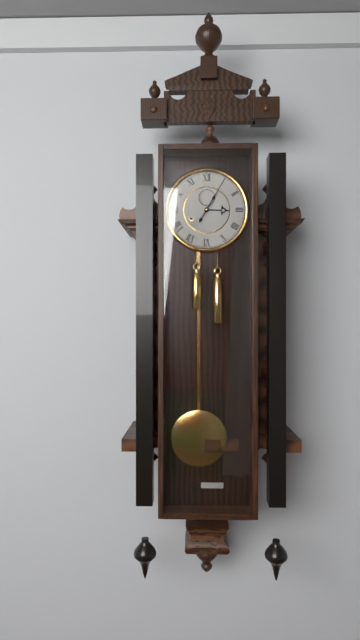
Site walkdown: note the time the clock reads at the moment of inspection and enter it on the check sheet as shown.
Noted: 3:05
